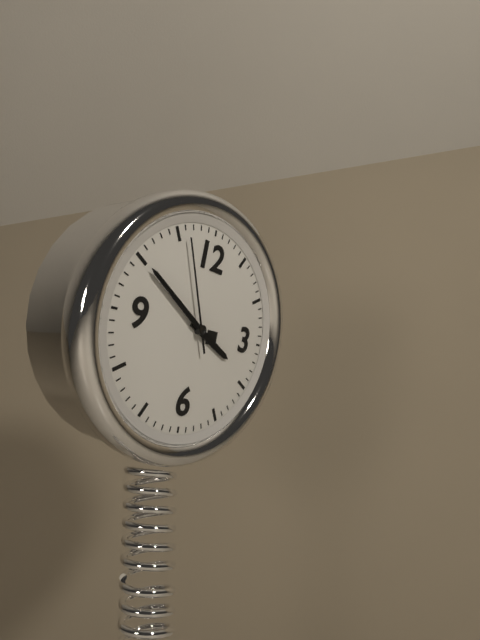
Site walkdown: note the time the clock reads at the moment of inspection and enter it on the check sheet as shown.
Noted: 3:50:56
